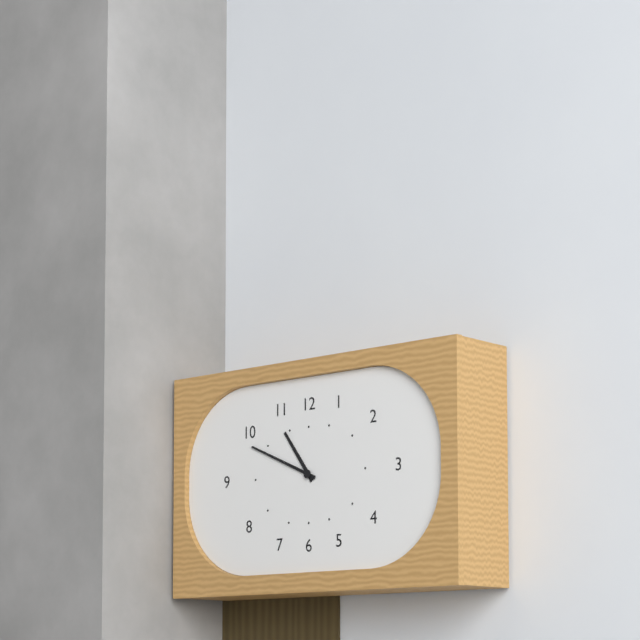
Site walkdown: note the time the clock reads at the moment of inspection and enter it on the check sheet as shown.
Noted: 10:49
